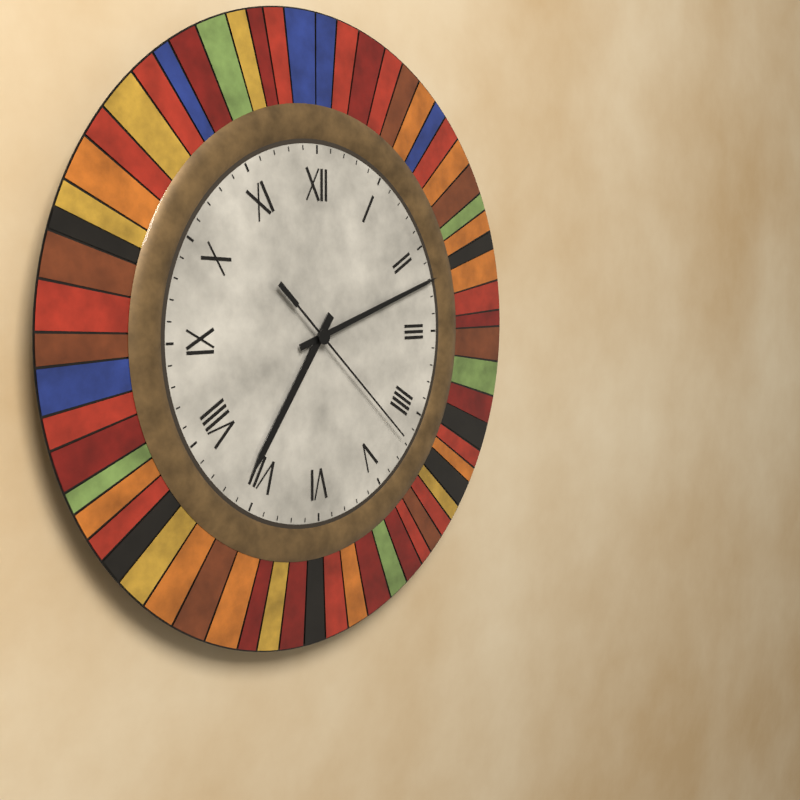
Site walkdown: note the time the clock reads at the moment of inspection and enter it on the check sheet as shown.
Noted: 7:12:22
